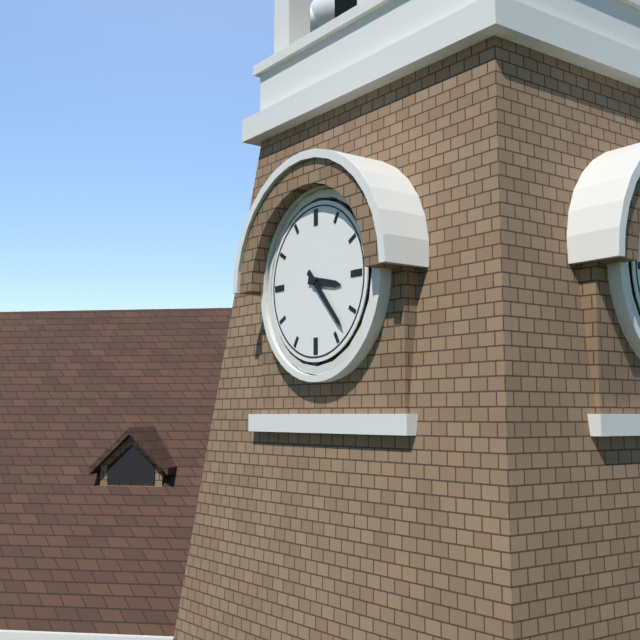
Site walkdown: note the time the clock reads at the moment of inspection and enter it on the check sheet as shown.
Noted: 3:23
